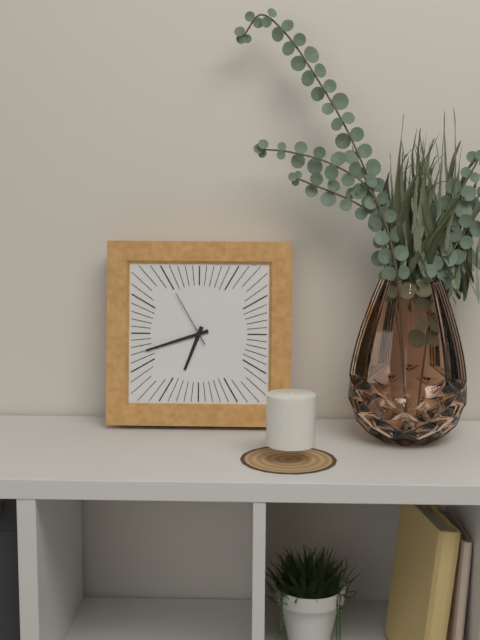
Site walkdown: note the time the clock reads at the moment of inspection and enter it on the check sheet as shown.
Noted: 6:42:55
